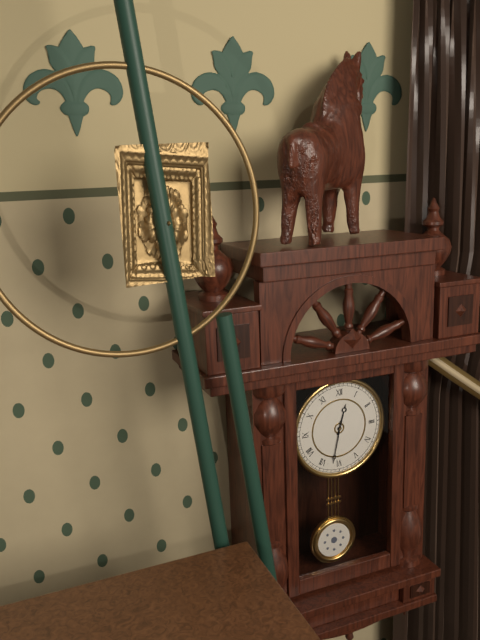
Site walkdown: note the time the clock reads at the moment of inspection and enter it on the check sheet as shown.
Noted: 12:32
